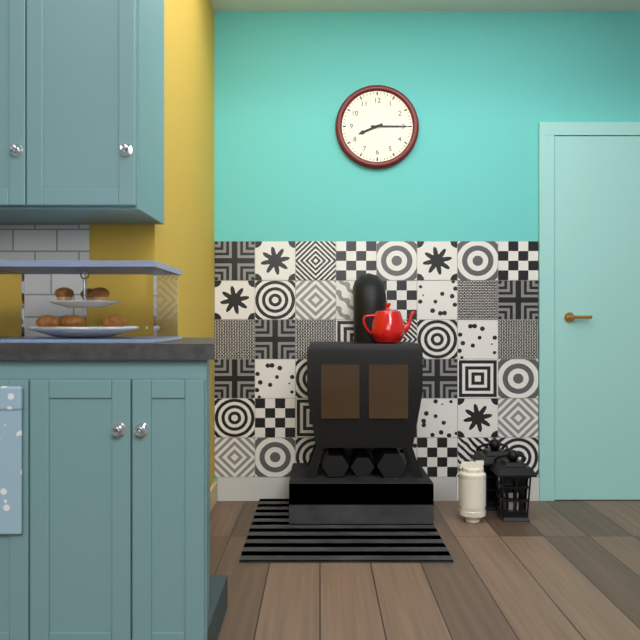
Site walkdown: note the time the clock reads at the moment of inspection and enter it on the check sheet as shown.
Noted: 8:15
